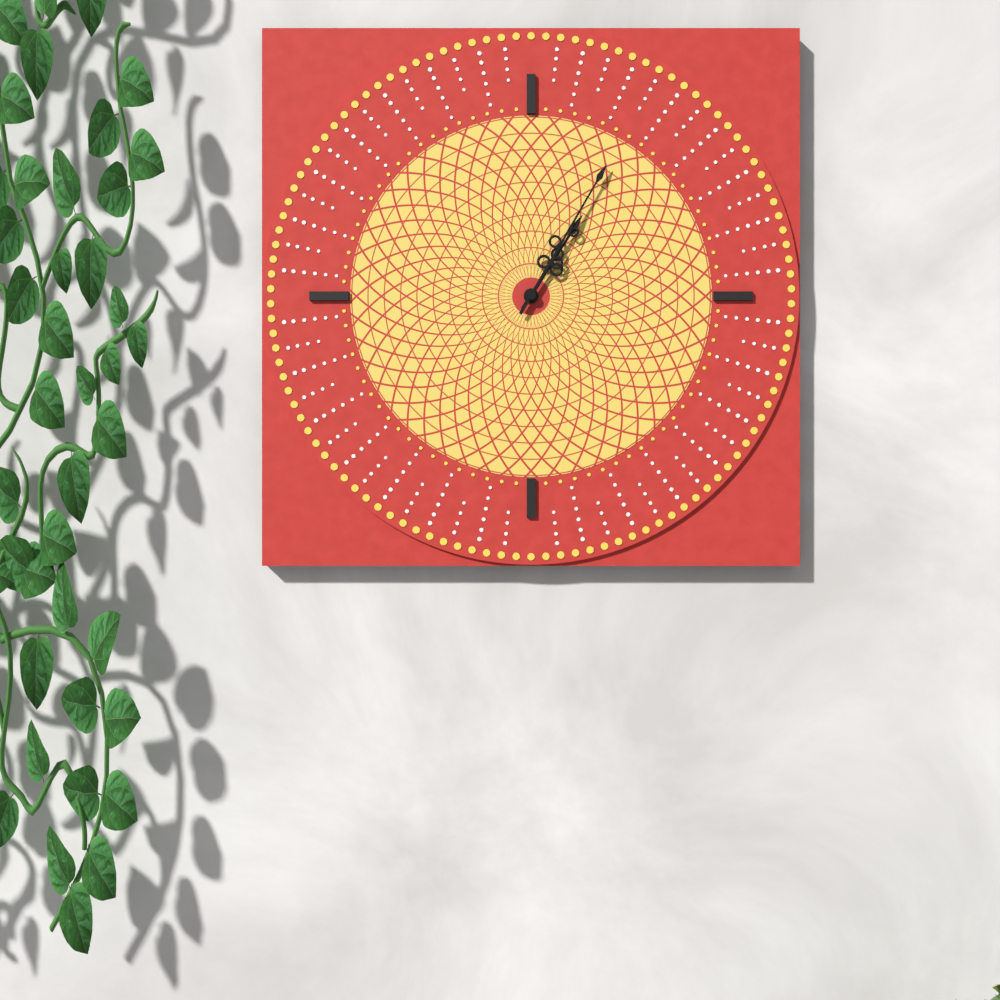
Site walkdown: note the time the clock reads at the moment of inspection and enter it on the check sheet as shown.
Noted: 1:05
